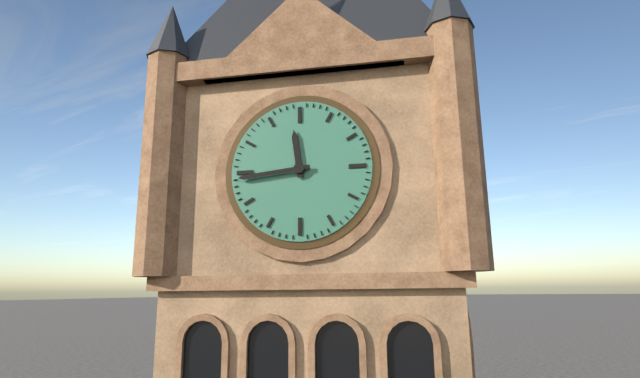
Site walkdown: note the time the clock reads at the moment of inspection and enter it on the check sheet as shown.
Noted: 11:44
